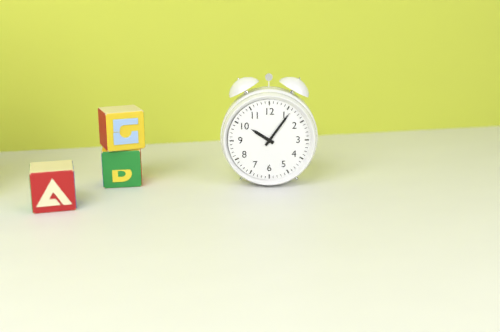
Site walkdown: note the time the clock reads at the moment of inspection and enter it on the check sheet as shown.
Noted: 10:06
